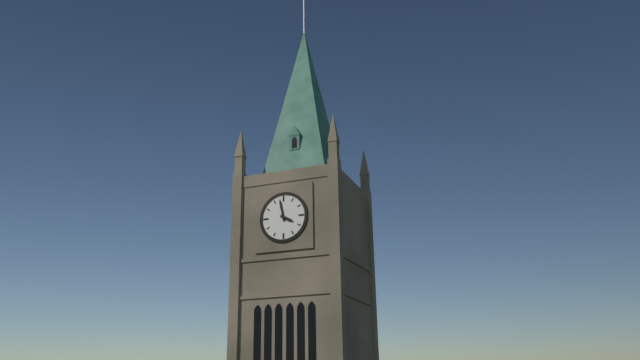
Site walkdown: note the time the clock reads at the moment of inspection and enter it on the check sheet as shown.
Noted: 3:58
